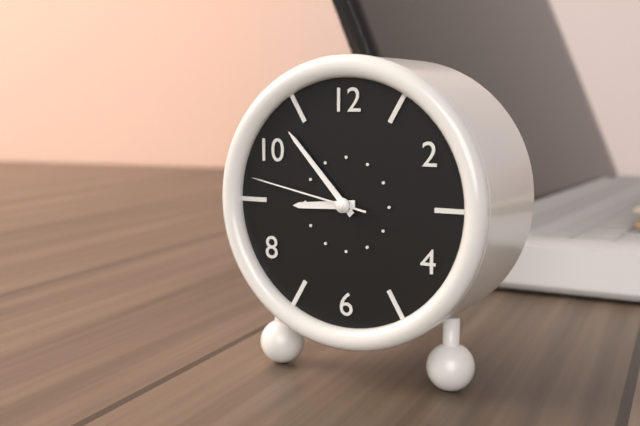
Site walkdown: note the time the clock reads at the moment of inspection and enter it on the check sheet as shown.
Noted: 8:53:47
